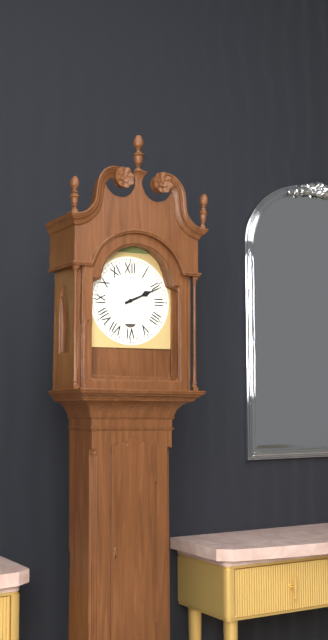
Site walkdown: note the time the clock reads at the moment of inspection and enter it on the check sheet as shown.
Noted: 2:11
